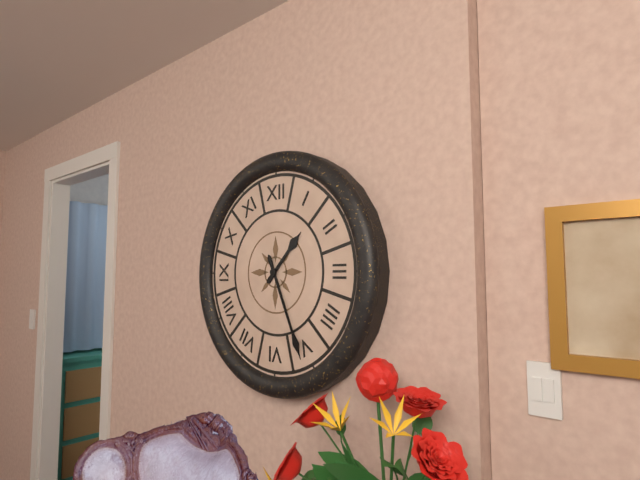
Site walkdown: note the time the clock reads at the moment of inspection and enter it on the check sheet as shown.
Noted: 1:26
